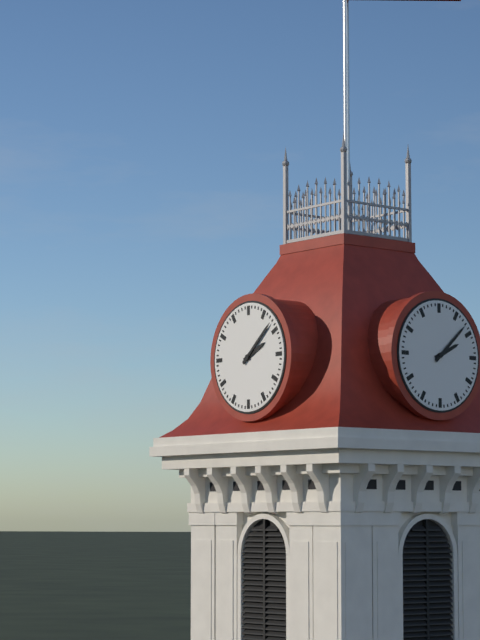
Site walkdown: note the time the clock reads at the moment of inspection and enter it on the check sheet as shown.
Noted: 2:08
